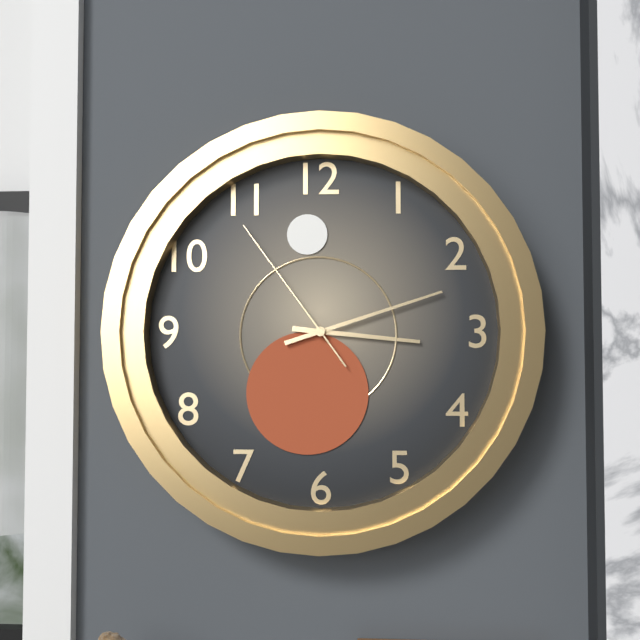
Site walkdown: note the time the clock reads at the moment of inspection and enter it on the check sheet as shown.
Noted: 3:12:54
